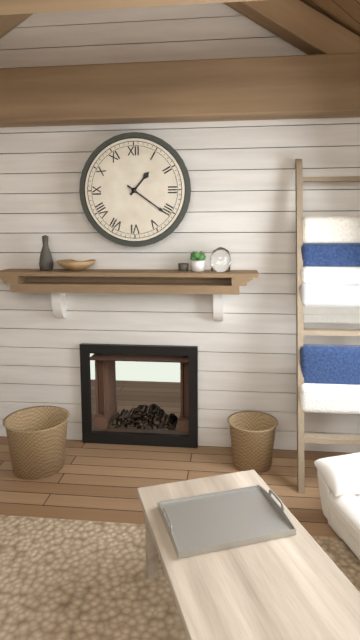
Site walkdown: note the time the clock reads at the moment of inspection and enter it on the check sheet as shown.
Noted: 1:21
